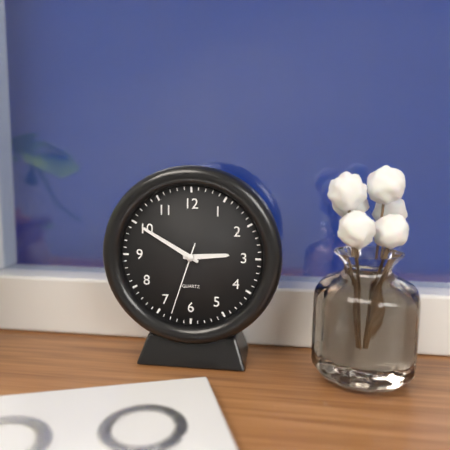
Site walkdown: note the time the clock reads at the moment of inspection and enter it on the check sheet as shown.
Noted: 2:50:33
